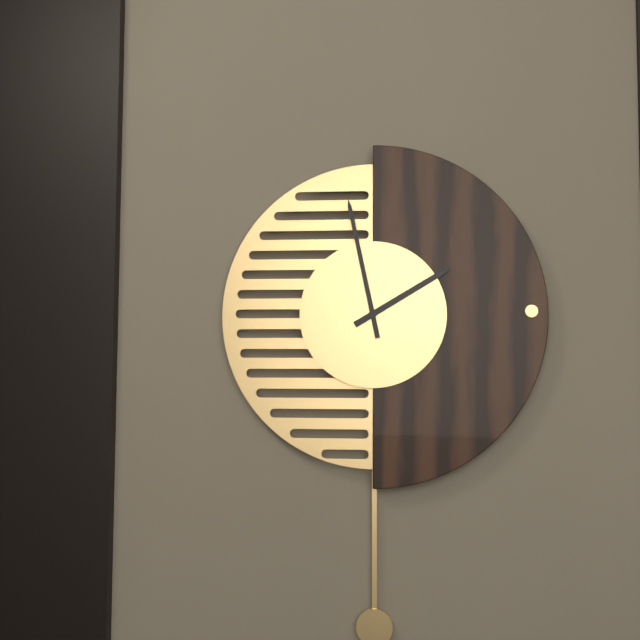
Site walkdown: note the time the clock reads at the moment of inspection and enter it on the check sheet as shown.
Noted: 1:58
